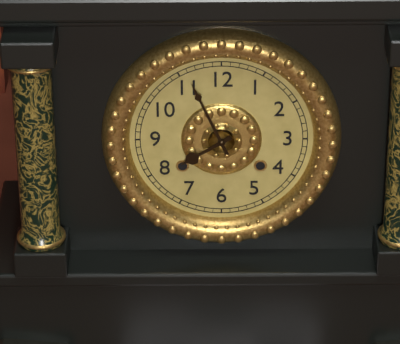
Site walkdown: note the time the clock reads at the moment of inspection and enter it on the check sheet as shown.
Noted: 7:56
